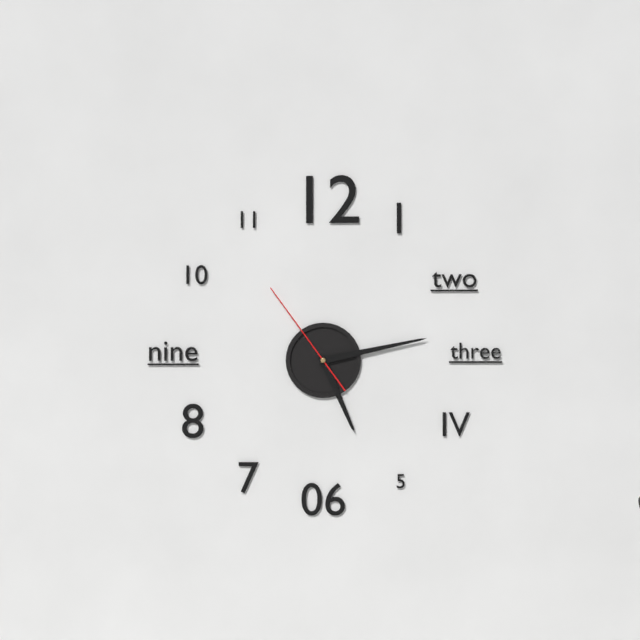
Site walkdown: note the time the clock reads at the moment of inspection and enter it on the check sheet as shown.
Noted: 5:13:54
